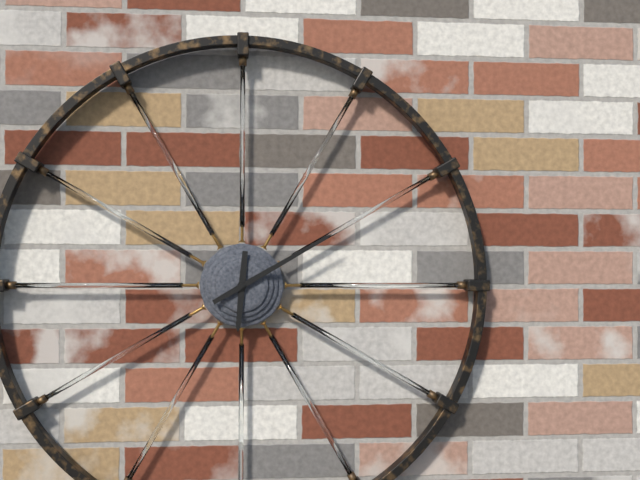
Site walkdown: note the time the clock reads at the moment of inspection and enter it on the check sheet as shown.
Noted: 6:10
